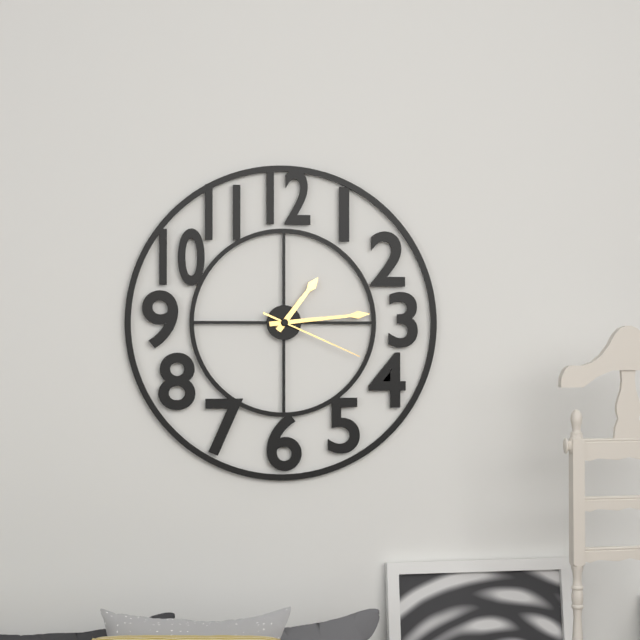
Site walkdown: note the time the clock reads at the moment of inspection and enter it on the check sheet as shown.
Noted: 1:14:19
